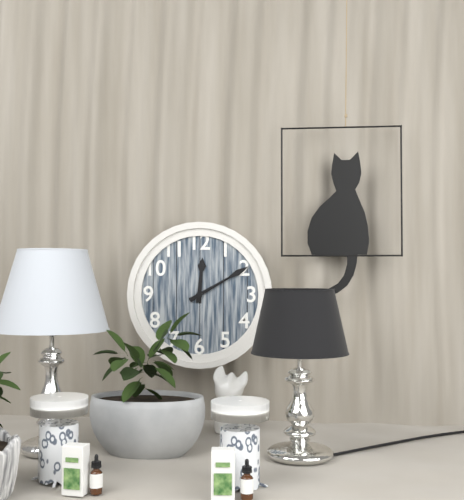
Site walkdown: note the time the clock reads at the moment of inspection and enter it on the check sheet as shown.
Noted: 12:10
